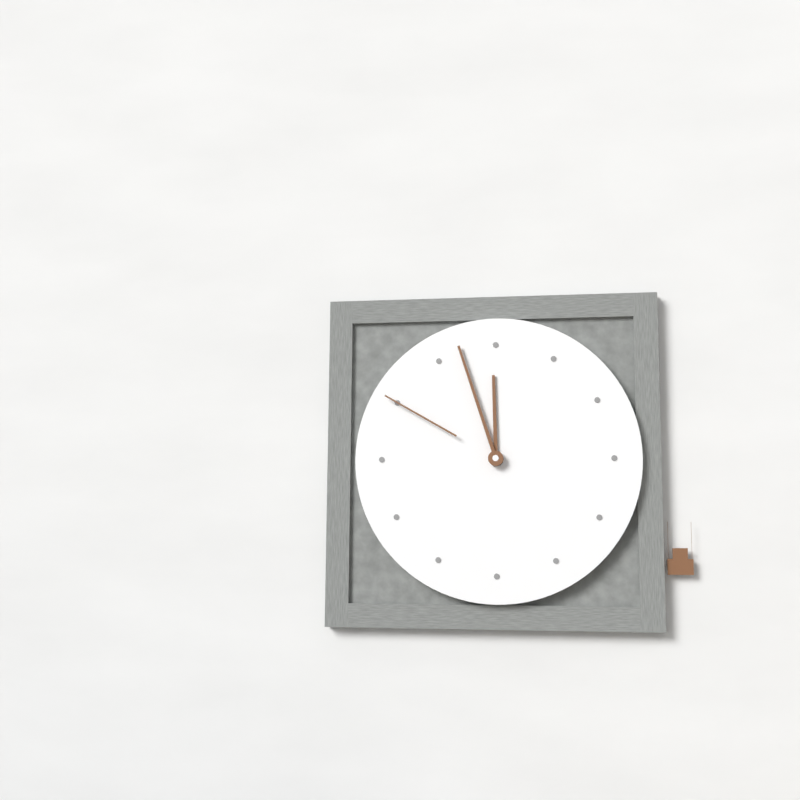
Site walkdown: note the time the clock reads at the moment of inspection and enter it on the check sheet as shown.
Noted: 11:57:50
